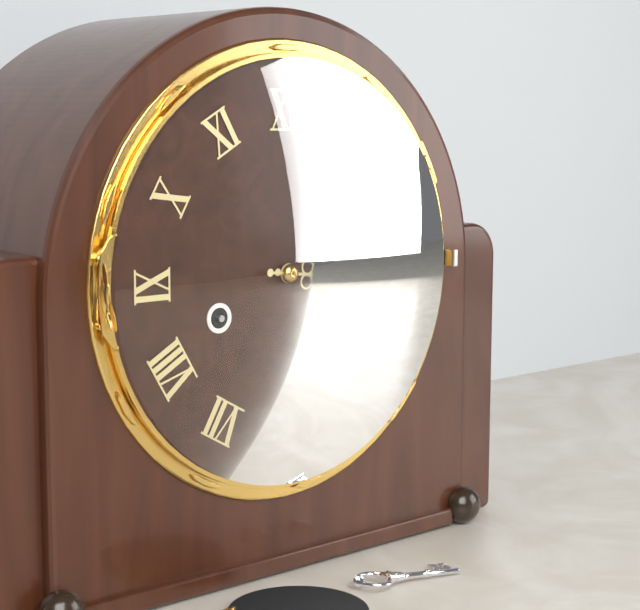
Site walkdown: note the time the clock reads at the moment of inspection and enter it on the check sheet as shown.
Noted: 3:16
